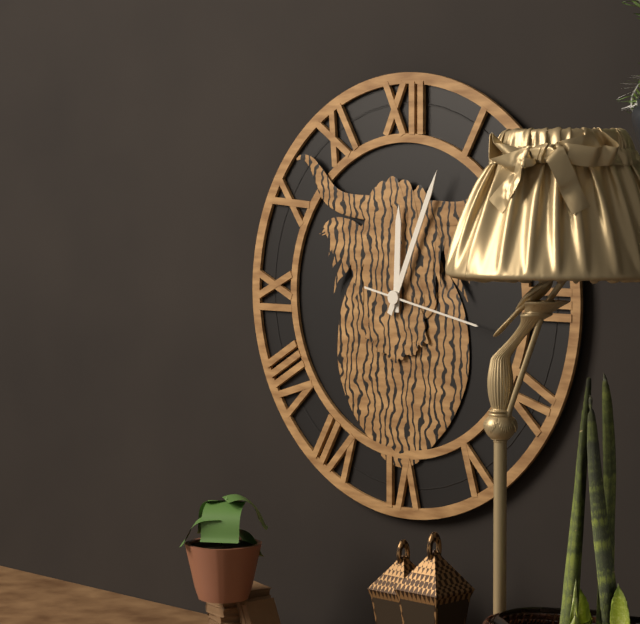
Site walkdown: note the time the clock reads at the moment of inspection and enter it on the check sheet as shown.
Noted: 12:04:17
